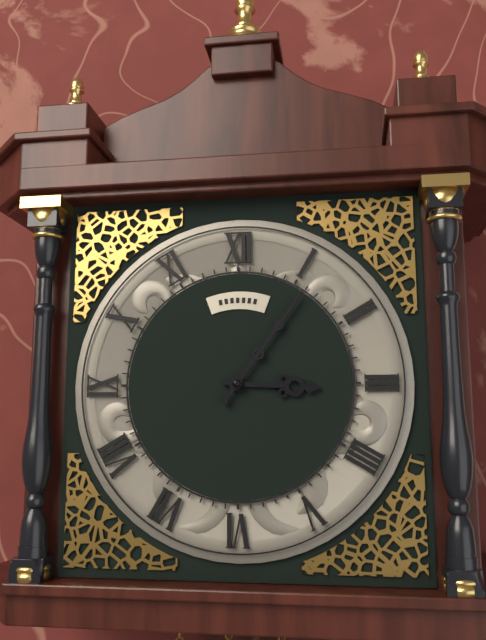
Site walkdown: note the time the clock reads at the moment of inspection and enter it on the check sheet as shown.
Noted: 3:06
